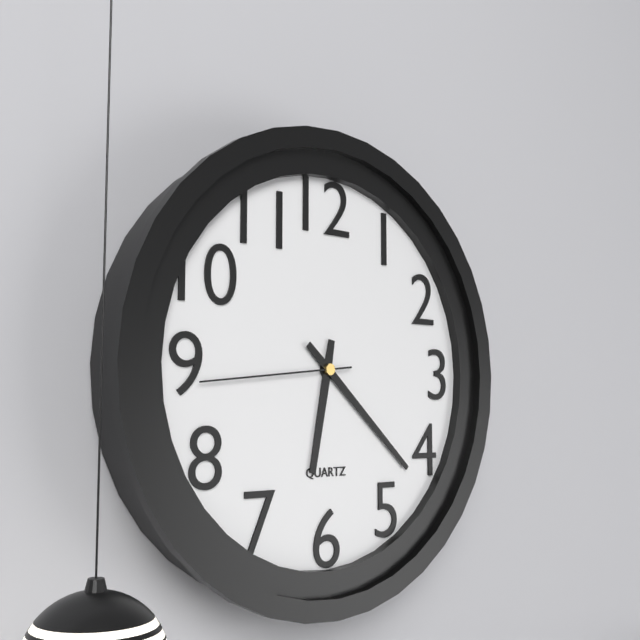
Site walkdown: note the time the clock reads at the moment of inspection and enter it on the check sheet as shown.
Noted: 6:22:44
